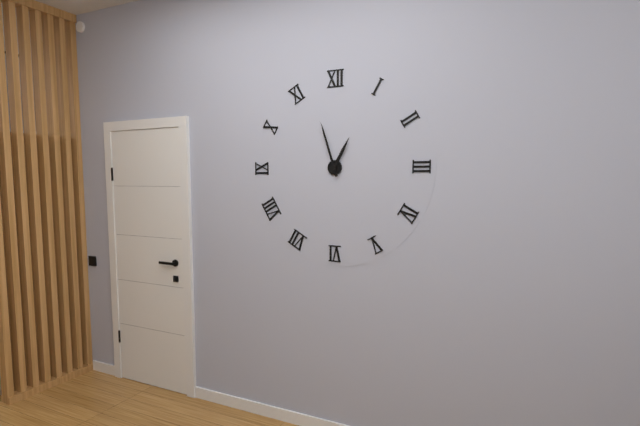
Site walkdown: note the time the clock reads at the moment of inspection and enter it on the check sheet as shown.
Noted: 12:57
